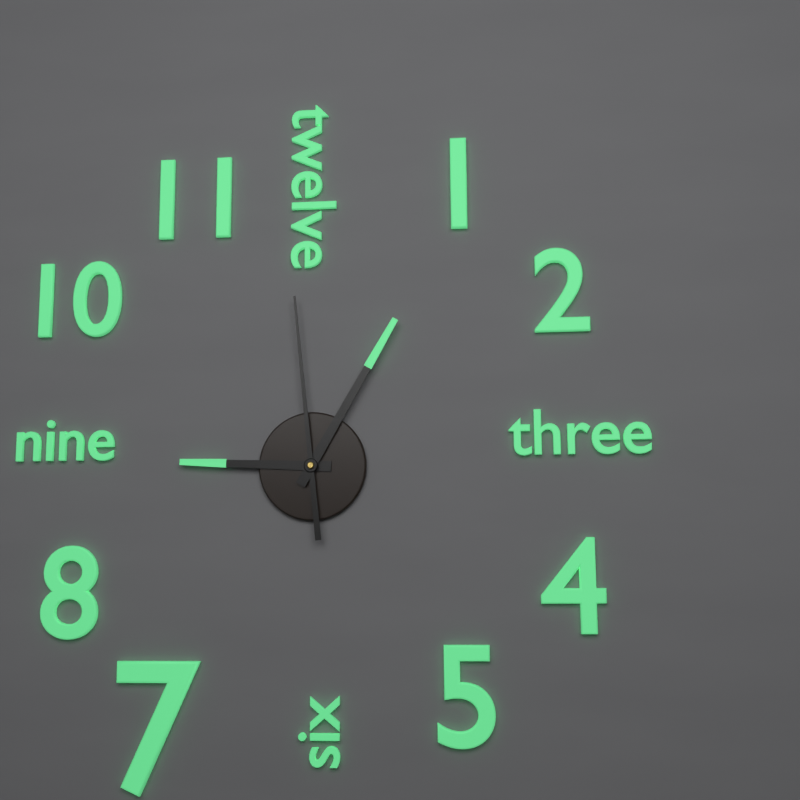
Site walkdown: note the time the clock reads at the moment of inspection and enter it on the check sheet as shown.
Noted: 9:05:59
